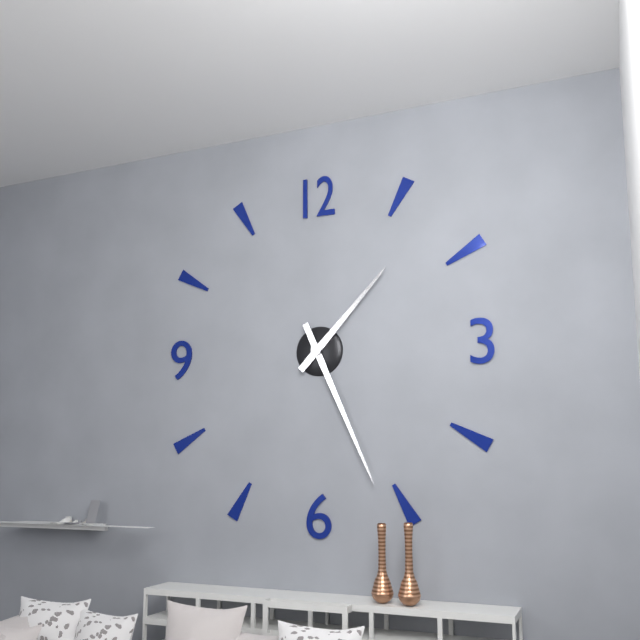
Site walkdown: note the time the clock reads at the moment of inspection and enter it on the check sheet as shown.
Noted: 1:26
